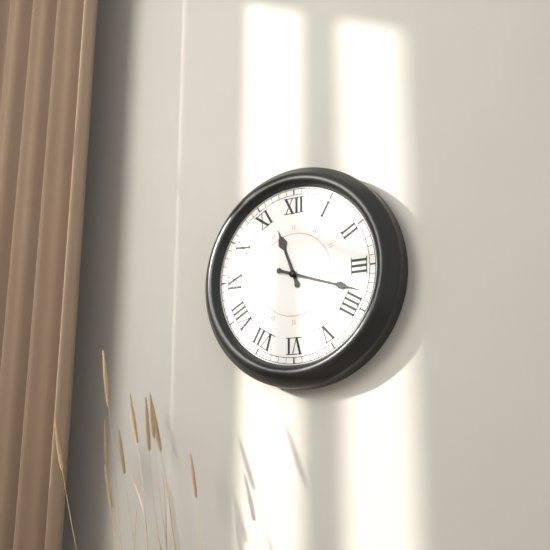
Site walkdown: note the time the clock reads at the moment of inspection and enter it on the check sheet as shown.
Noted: 11:18
